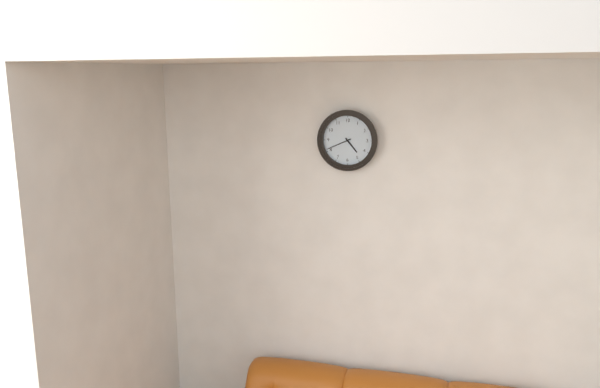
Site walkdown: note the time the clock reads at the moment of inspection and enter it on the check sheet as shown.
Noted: 4:41
